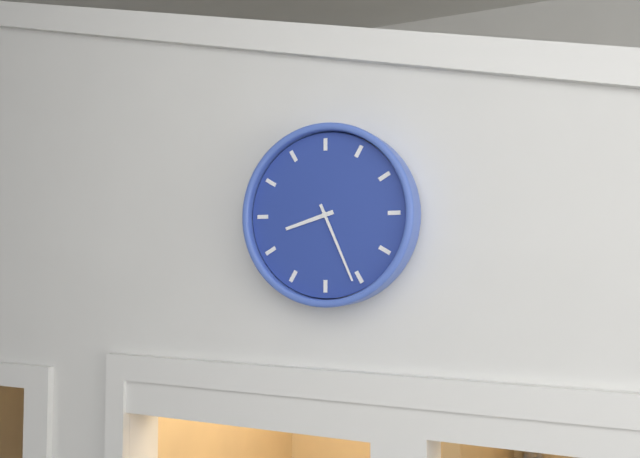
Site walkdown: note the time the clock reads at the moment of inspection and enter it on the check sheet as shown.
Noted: 8:26
